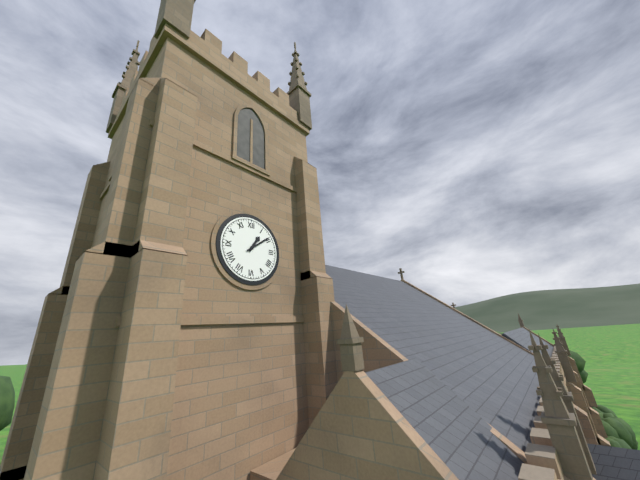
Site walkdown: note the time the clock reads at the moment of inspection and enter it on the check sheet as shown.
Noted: 1:09
